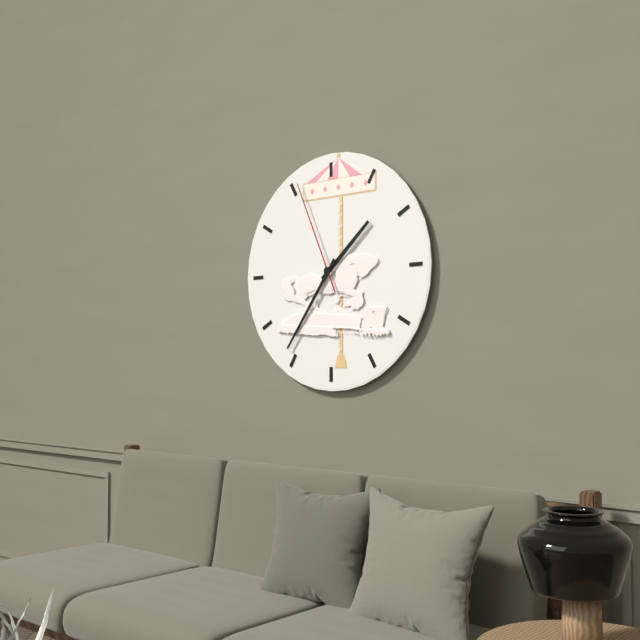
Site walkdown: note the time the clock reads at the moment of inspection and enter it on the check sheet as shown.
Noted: 1:36:56
